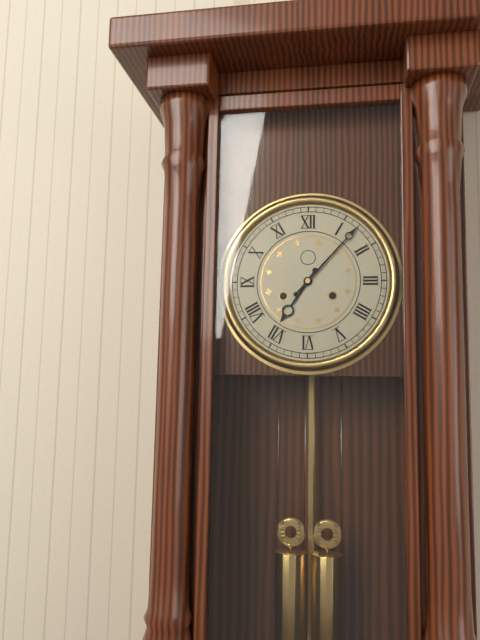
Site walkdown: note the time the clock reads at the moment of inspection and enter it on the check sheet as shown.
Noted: 7:07
